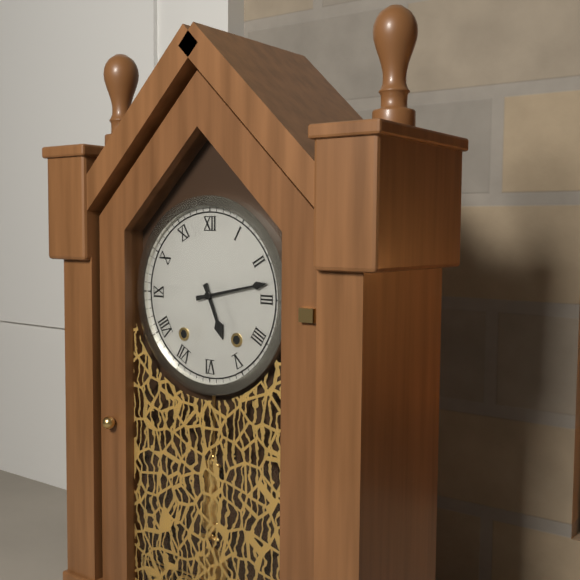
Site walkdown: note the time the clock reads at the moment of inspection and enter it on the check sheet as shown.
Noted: 5:13
